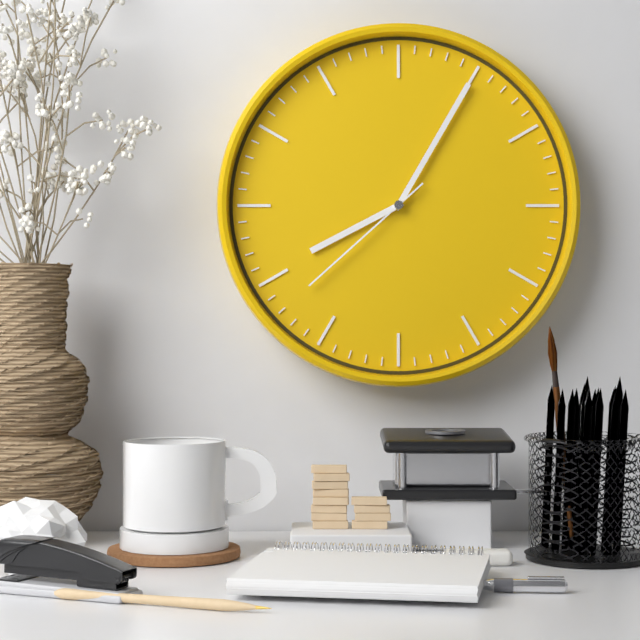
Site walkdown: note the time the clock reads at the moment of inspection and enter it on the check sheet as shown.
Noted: 8:05:38
